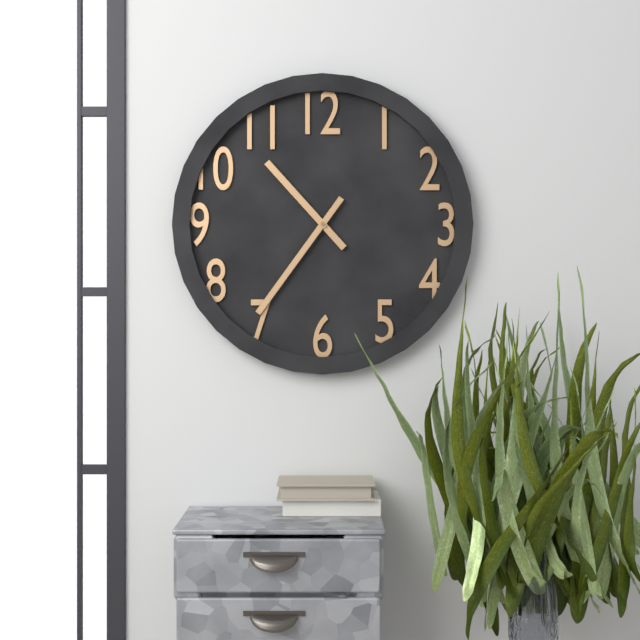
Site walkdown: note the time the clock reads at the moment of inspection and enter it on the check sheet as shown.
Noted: 10:36
